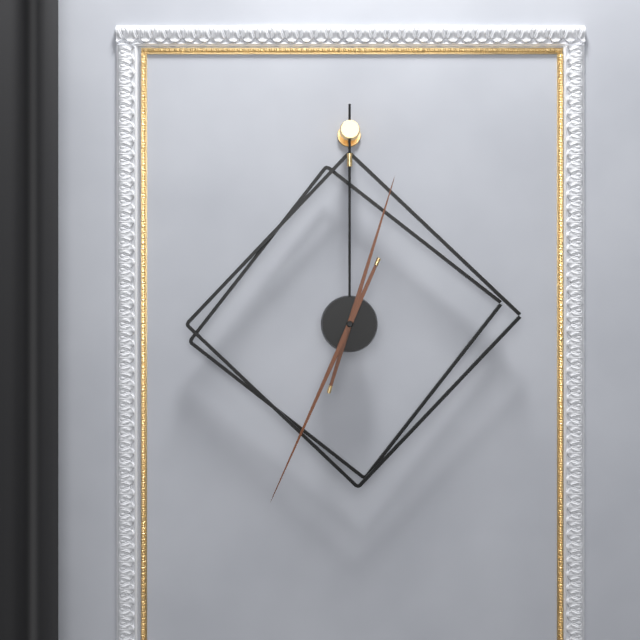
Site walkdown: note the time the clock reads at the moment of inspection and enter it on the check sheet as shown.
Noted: 12:34
